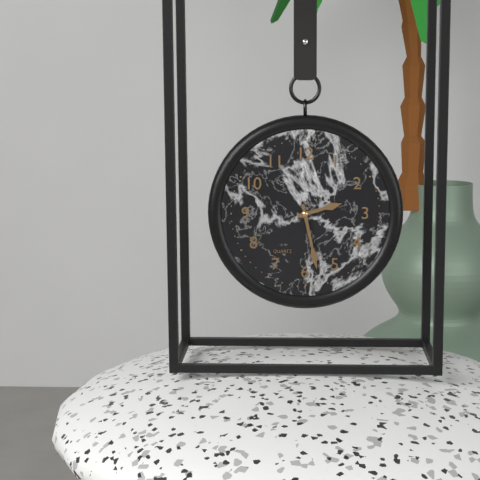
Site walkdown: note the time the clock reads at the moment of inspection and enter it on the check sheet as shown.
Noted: 2:28
